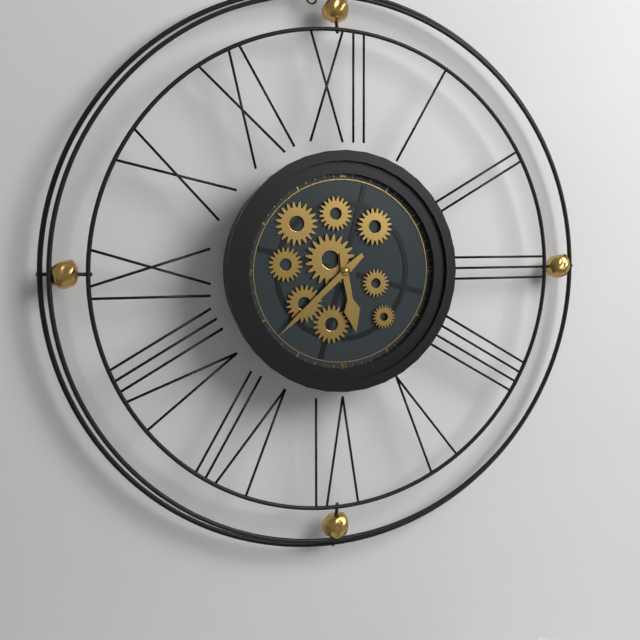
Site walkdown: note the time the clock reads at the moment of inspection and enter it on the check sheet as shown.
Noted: 5:38
